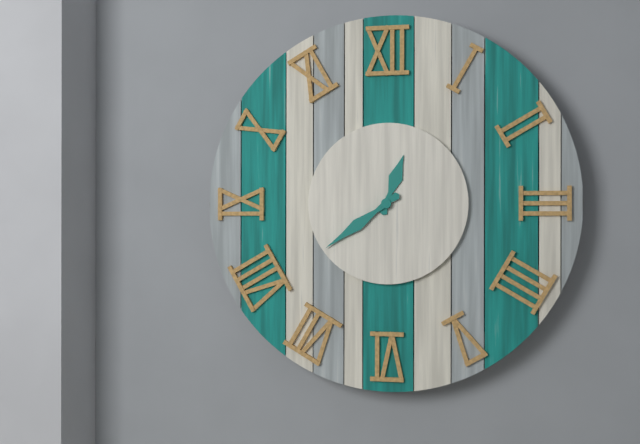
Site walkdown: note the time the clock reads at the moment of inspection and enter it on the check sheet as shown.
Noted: 12:39
